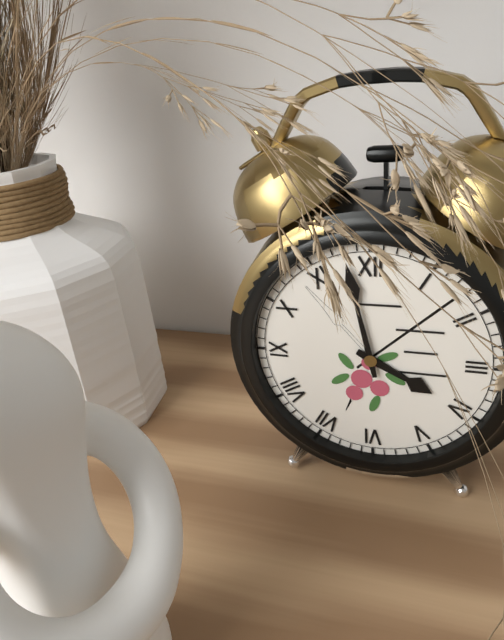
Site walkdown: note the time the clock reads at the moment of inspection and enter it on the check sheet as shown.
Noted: 3:58
